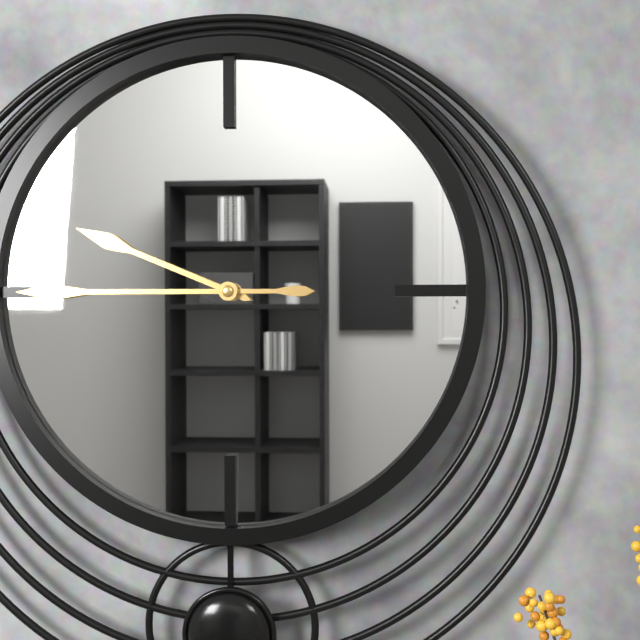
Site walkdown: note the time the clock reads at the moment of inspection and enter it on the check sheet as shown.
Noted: 9:45
